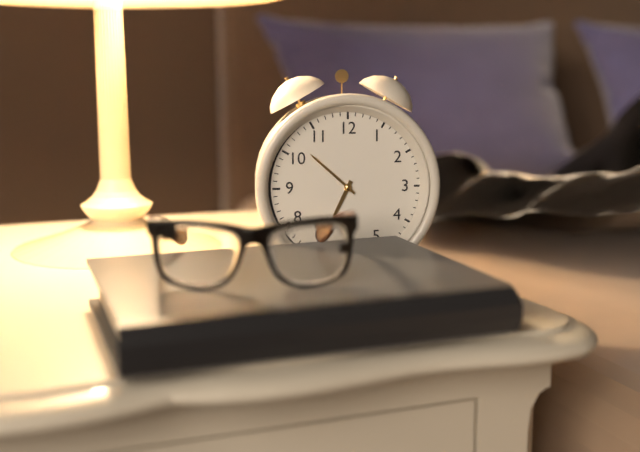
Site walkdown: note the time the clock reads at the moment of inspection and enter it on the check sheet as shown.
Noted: 6:52
